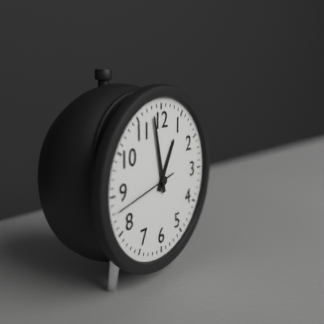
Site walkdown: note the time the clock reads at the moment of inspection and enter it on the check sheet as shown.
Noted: 12:58:43
